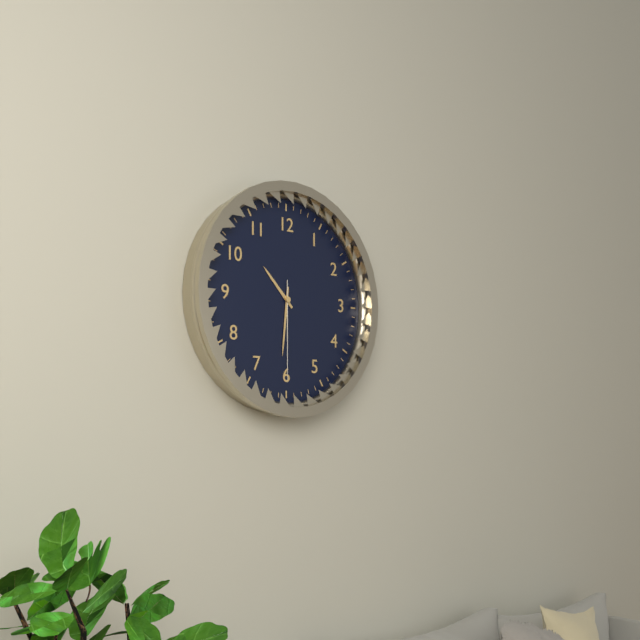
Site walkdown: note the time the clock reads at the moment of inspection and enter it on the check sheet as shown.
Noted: 10:31:30
